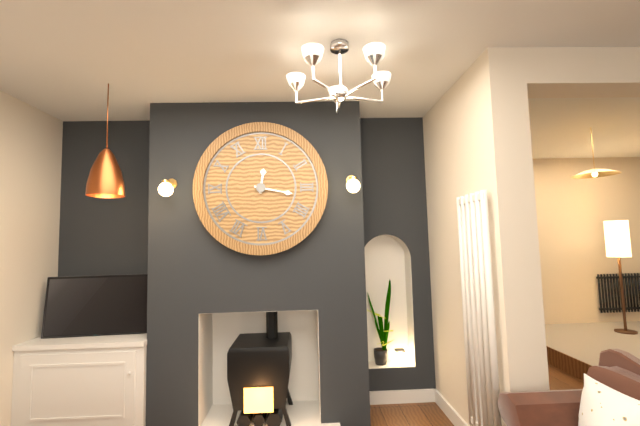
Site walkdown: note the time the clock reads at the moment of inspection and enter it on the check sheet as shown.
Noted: 12:17
